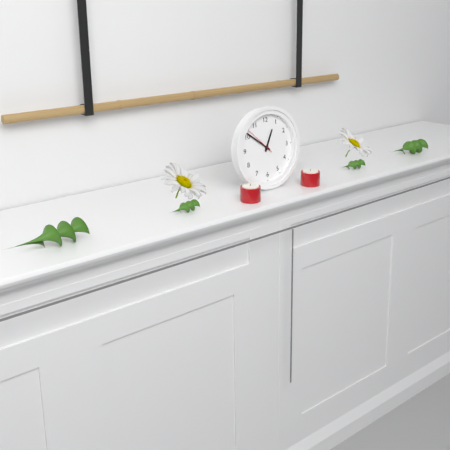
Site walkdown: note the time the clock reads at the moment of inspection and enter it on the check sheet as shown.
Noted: 12:51
